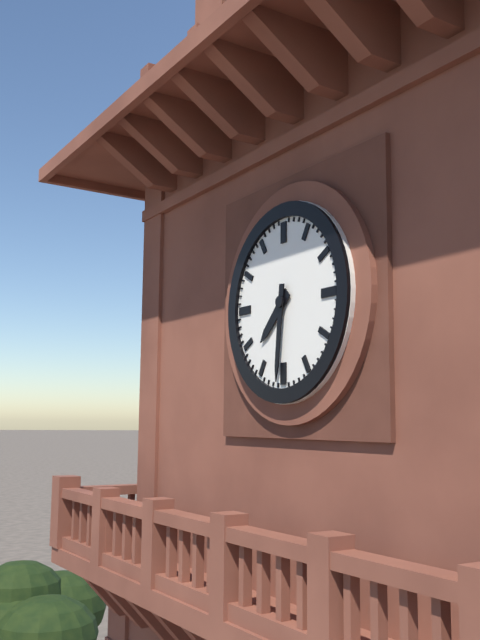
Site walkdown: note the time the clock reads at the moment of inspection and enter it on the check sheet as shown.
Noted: 7:31
